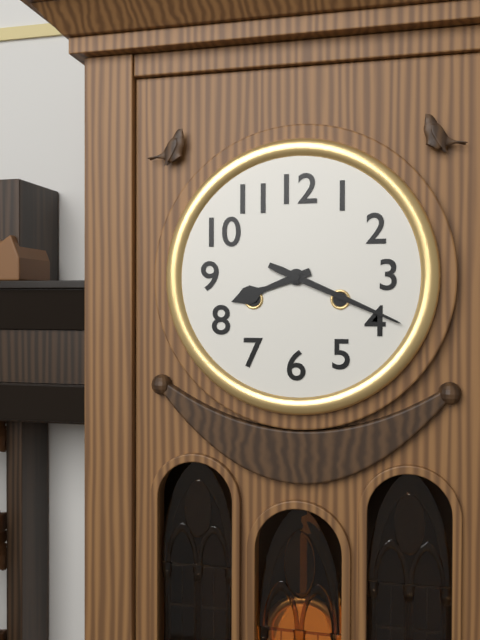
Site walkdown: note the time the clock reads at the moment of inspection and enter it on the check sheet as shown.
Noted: 8:19
